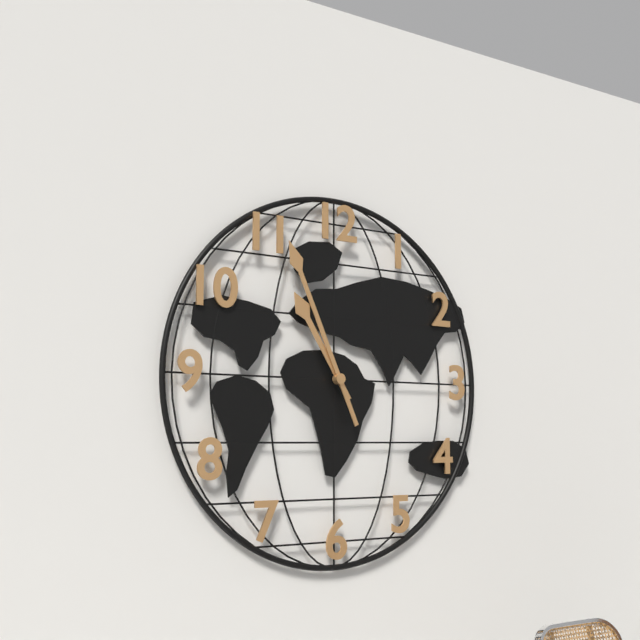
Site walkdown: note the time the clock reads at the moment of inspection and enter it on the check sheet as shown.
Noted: 10:56
